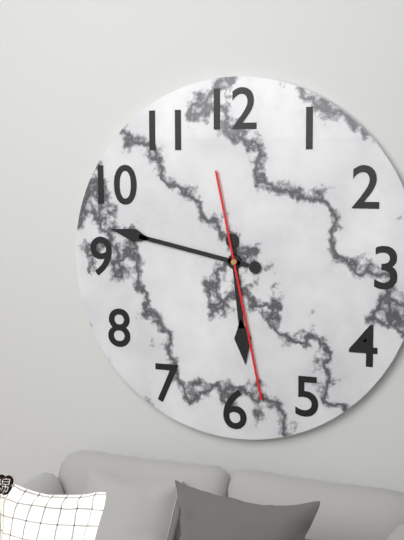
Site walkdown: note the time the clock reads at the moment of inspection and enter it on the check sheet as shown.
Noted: 5:47:28
